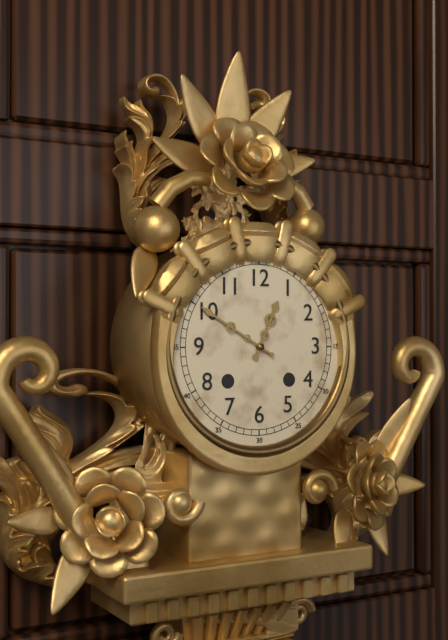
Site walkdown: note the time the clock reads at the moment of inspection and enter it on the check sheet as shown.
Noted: 12:50
